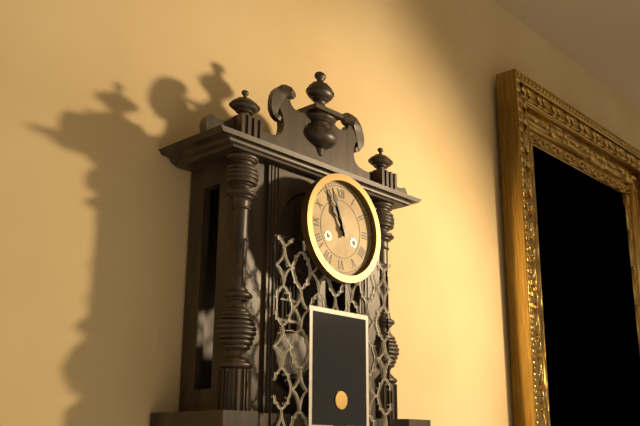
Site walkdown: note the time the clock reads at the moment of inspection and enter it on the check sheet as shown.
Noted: 10:56
